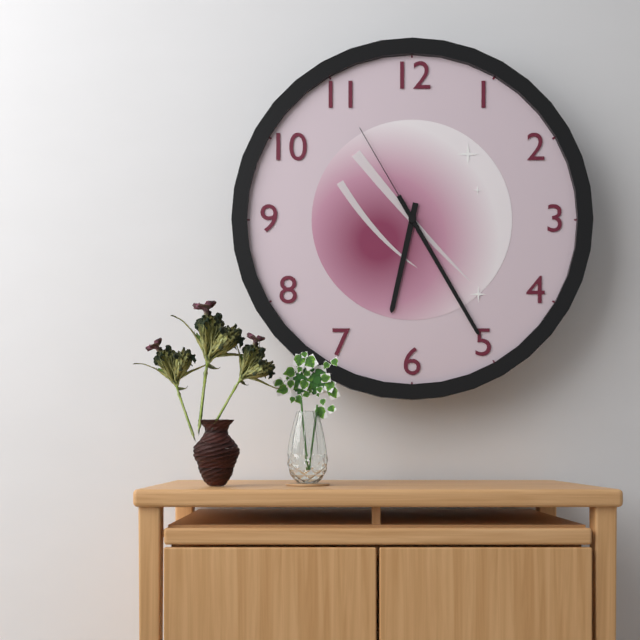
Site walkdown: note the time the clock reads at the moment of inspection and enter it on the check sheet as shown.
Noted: 6:25:55
